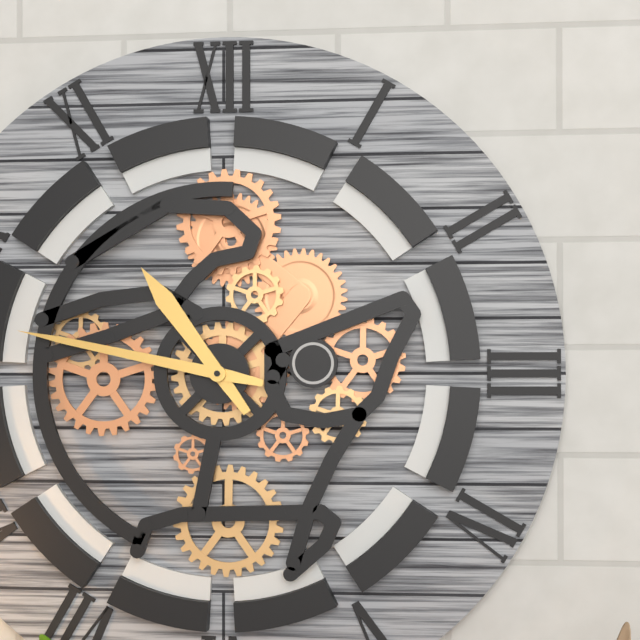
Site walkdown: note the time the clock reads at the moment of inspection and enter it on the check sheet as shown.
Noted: 10:47
